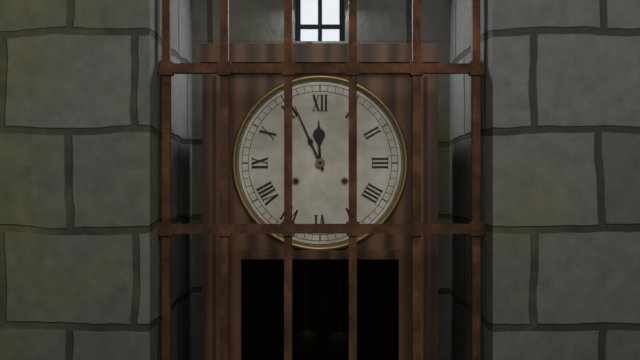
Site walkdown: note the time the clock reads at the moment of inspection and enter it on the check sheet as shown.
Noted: 11:56
